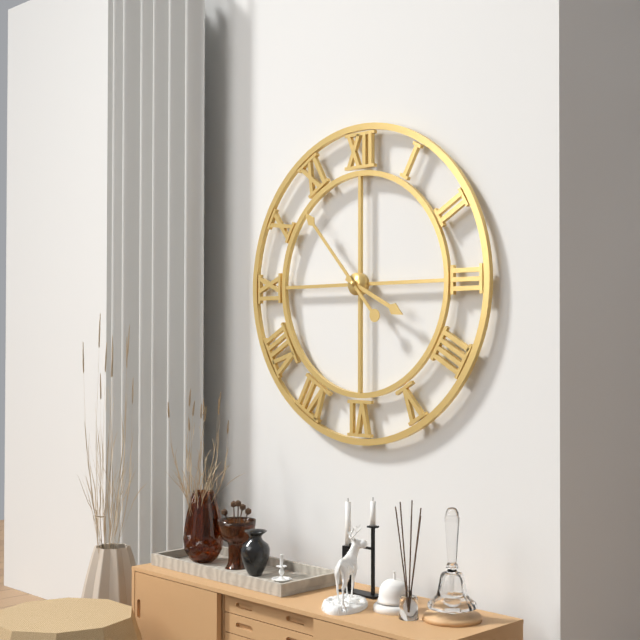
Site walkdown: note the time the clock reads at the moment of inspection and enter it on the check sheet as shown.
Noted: 3:53
